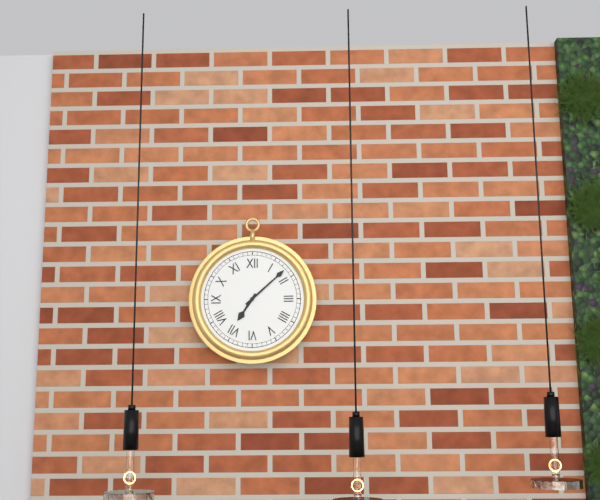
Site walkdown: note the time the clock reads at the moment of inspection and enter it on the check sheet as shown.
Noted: 7:08
